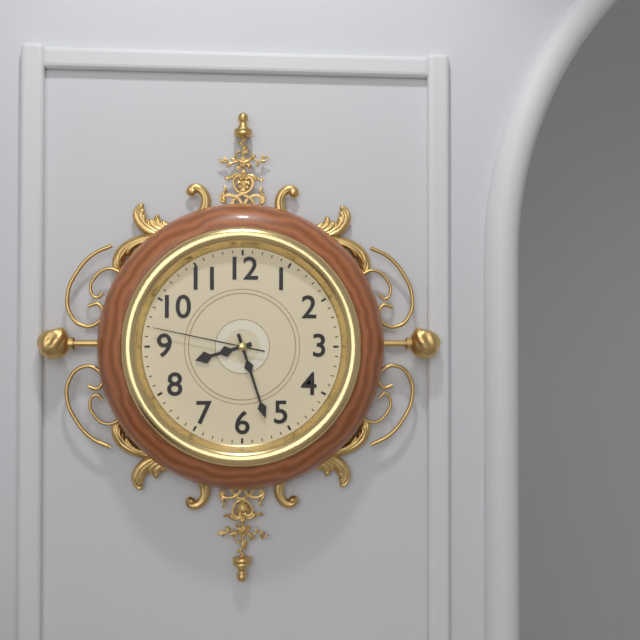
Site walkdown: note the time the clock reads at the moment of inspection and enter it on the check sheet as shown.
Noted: 8:27:47
